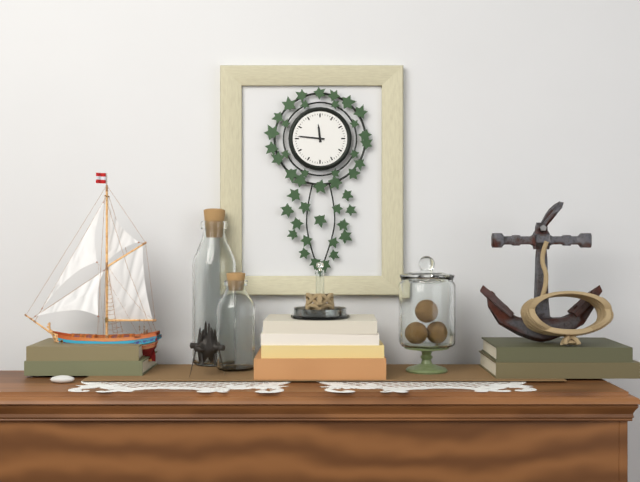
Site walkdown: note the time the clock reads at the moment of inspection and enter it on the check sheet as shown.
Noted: 11:46
